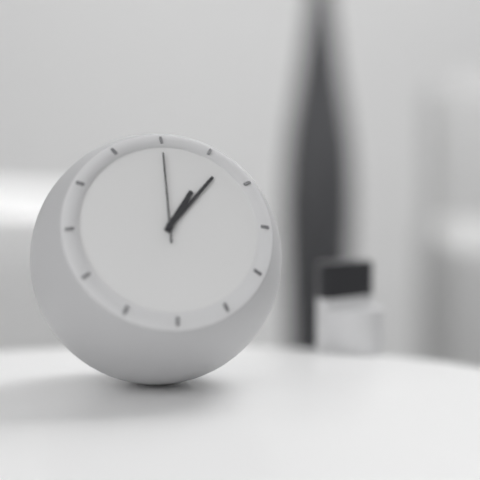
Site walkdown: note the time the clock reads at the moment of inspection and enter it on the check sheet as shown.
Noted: 1:07:00
